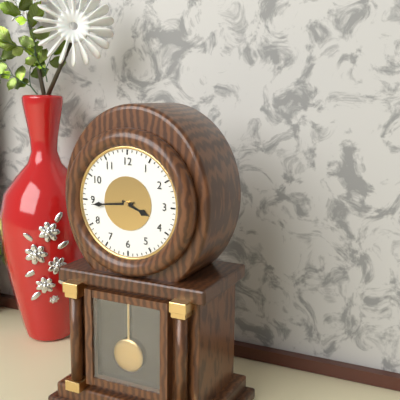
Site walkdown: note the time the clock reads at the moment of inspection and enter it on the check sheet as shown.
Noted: 3:44
